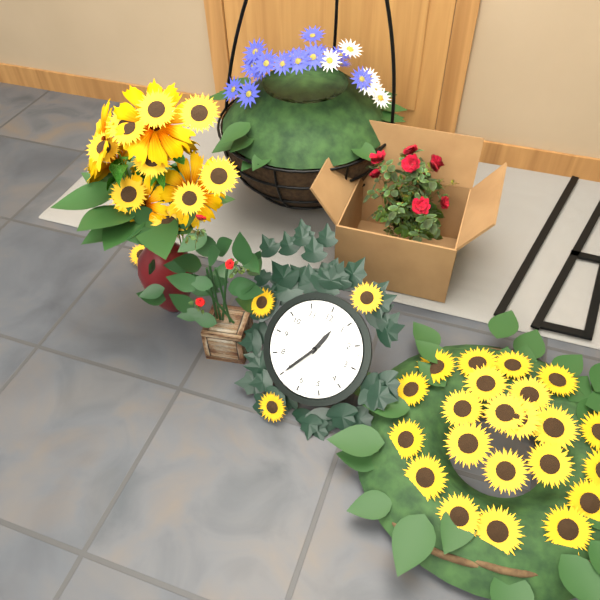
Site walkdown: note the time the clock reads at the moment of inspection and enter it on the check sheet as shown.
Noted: 12:35
